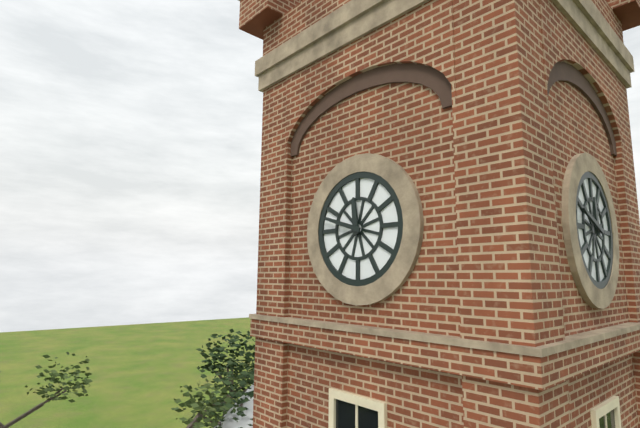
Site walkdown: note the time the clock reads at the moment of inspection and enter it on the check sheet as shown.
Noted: 11:48
